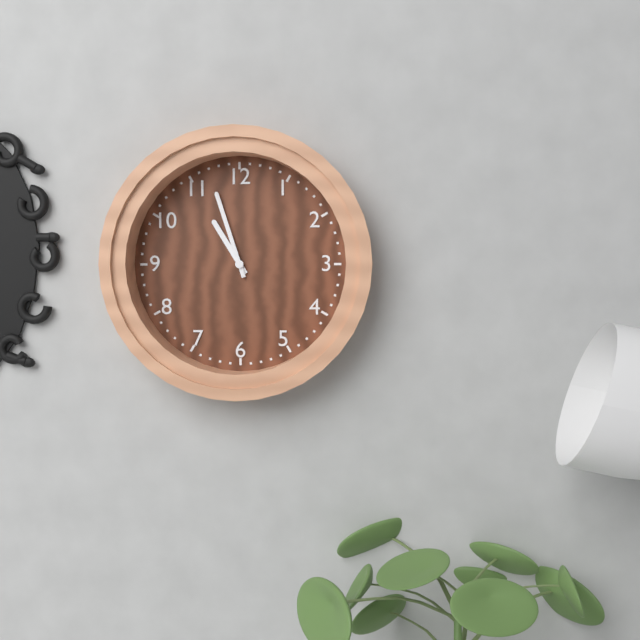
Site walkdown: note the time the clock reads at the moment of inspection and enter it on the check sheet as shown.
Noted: 10:57
